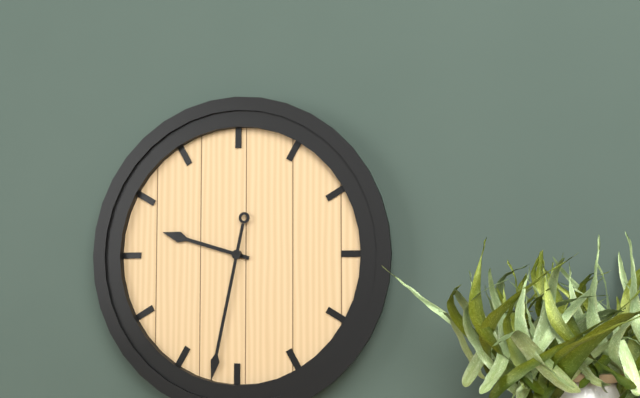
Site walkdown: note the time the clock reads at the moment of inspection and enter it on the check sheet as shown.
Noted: 9:32
